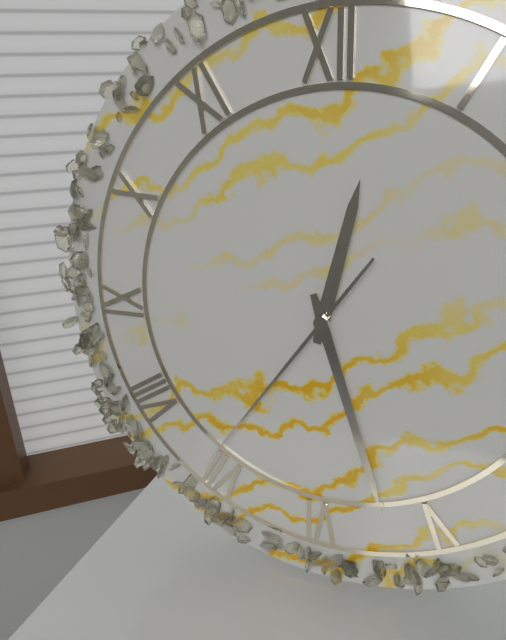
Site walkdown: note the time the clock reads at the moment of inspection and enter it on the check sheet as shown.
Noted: 12:27:36
